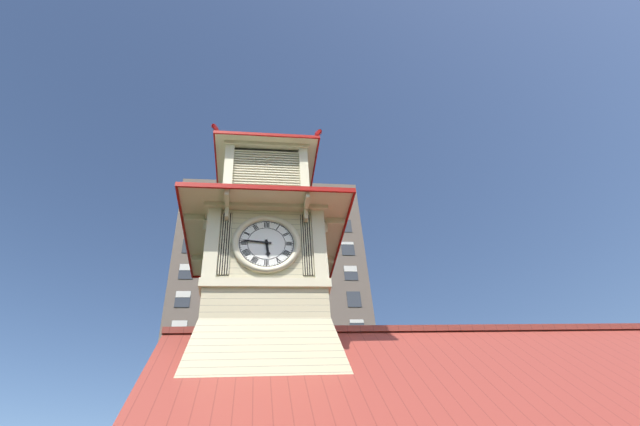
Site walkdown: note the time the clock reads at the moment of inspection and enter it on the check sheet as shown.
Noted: 5:46
